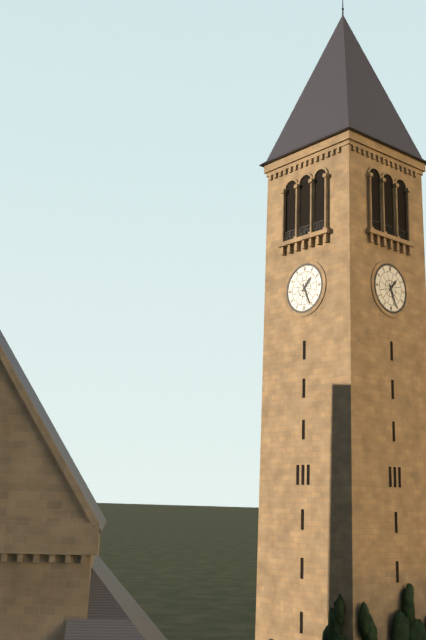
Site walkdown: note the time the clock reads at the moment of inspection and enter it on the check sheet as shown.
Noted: 1:26
